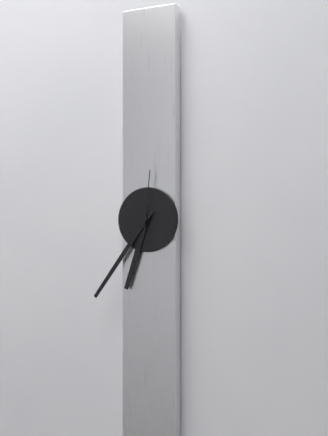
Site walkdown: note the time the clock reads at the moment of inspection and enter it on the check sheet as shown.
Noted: 6:36:01
